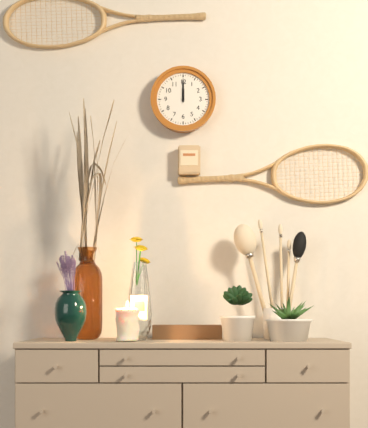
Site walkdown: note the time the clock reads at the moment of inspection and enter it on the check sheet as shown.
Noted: 12:00
